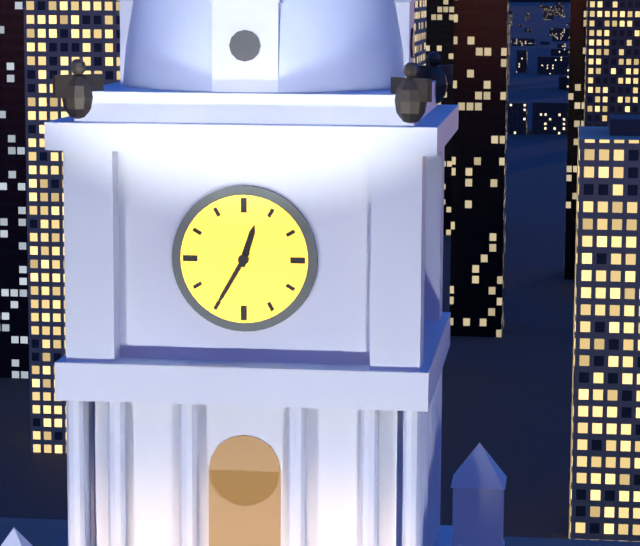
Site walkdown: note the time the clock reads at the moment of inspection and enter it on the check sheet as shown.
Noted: 12:35
